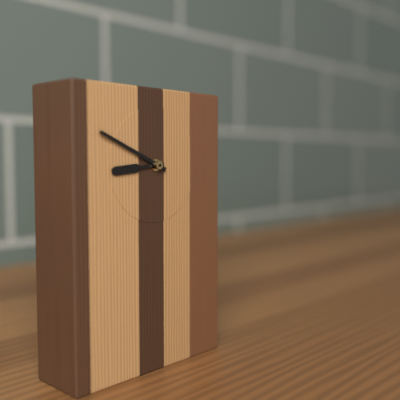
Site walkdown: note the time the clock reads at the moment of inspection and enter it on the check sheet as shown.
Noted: 8:49
